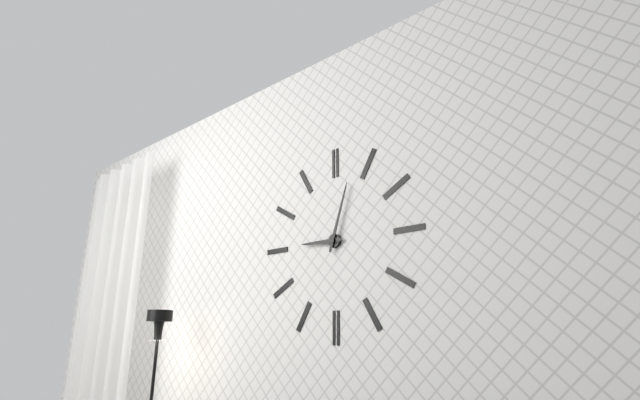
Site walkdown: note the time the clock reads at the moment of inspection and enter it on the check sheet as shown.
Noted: 9:03
